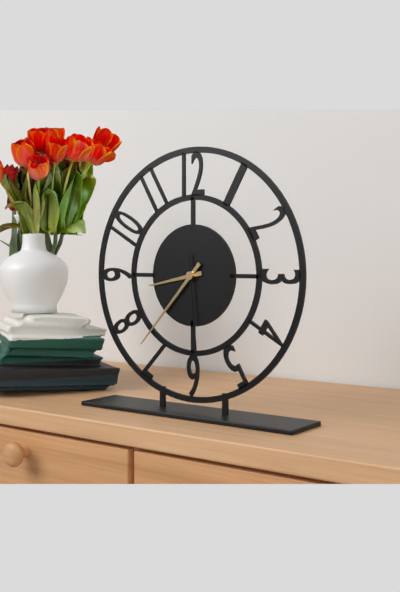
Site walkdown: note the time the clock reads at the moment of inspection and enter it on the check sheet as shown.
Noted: 8:37:29
